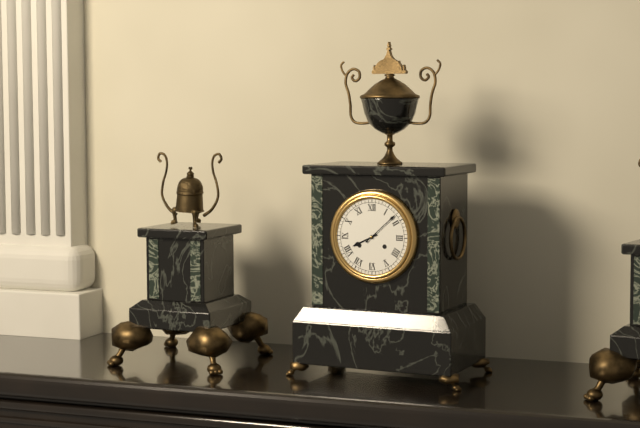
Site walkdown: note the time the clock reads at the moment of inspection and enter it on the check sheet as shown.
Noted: 8:08
